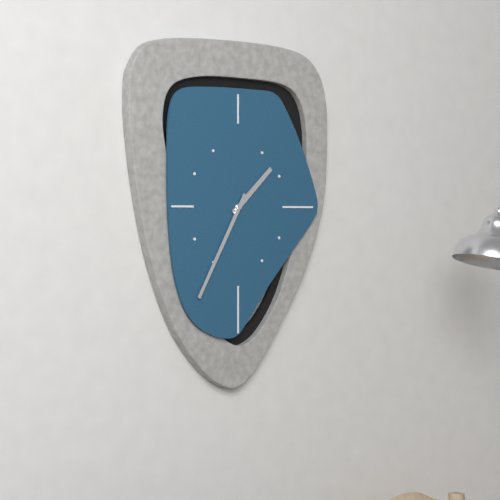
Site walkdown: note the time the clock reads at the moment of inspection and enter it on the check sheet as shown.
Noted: 1:35
